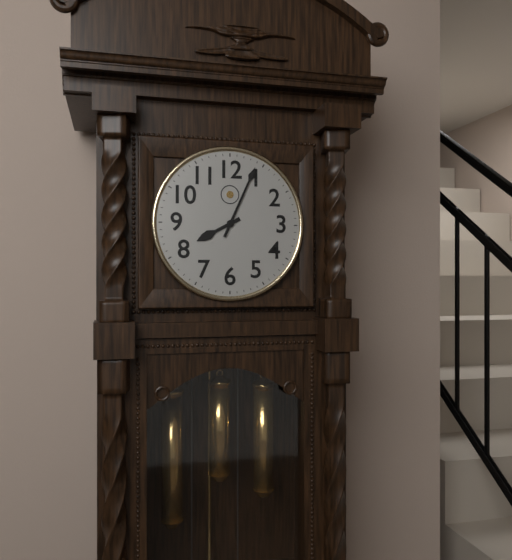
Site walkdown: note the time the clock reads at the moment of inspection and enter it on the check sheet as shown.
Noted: 8:04
